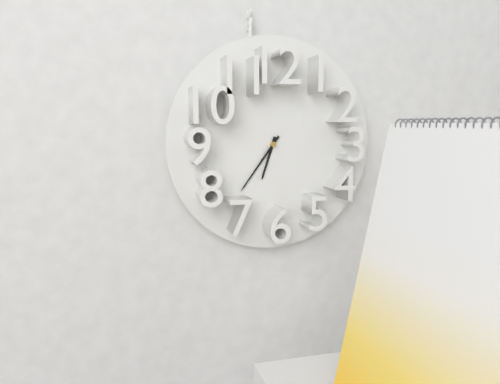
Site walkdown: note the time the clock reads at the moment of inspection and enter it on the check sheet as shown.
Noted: 6:36
